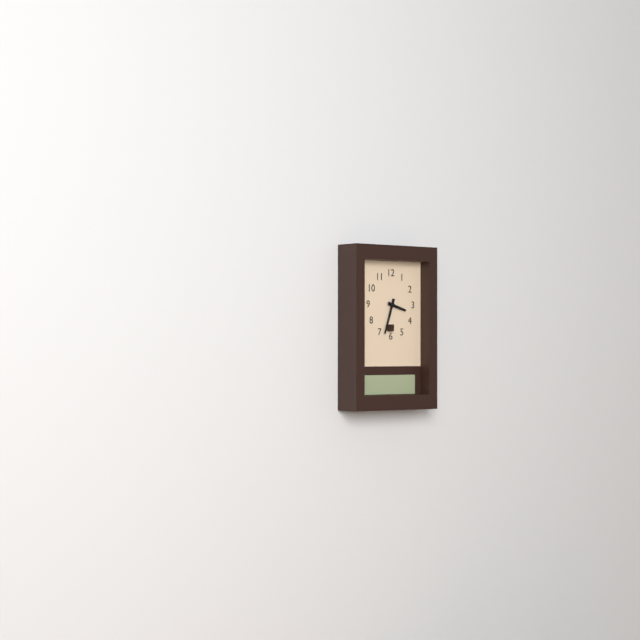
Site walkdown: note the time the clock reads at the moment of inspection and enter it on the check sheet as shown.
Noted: 3:33
